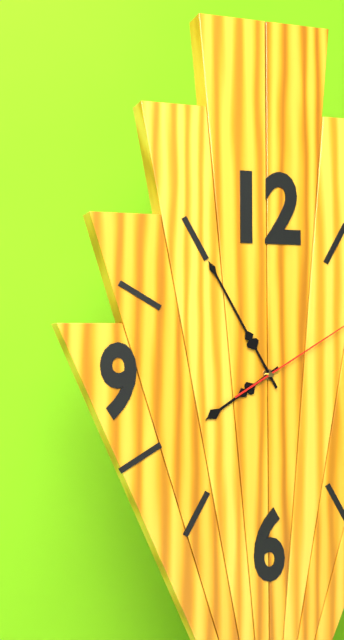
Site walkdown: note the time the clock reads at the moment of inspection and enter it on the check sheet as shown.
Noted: 7:55
